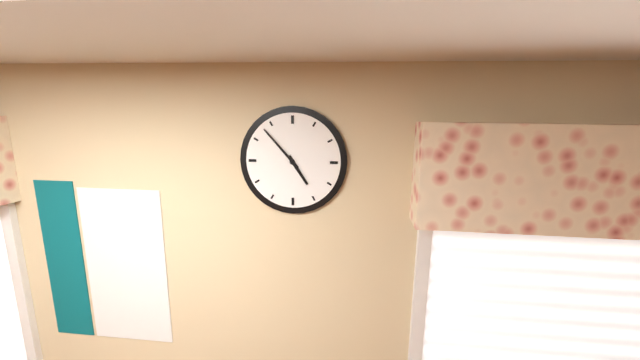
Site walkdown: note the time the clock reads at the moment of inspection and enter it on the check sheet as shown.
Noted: 4:53
